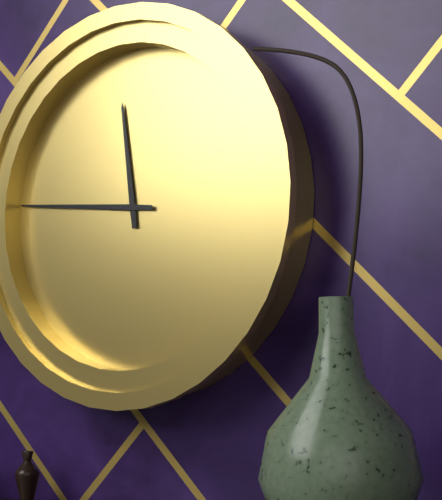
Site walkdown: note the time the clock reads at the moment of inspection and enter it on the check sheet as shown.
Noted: 11:46
